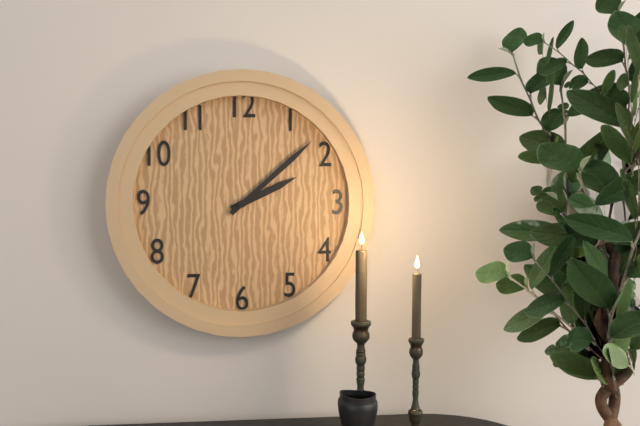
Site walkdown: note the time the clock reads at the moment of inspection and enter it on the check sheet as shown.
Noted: 2:08
